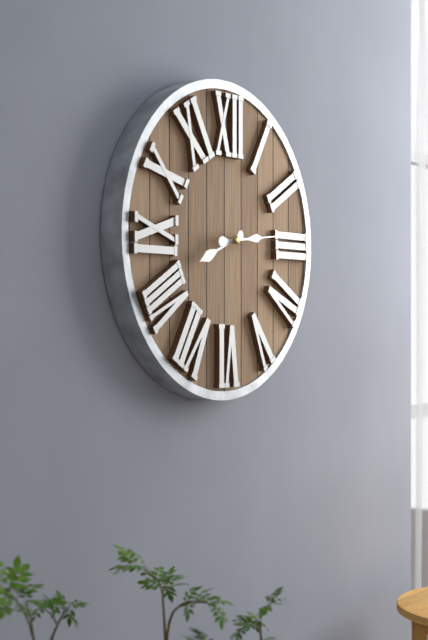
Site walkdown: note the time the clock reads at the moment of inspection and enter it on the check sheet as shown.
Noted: 8:14
